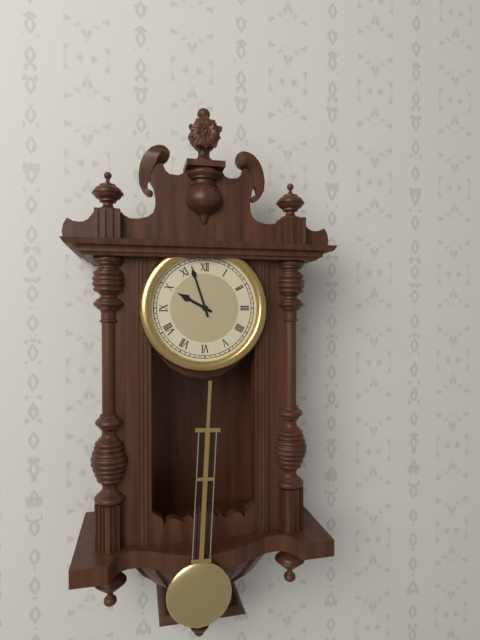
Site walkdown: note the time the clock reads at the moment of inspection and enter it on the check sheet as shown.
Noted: 9:57
